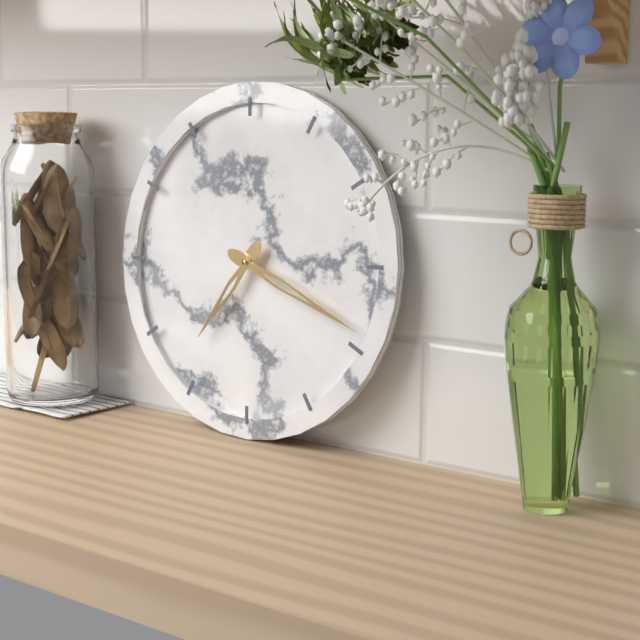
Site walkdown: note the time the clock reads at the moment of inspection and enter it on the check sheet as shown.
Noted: 7:19
